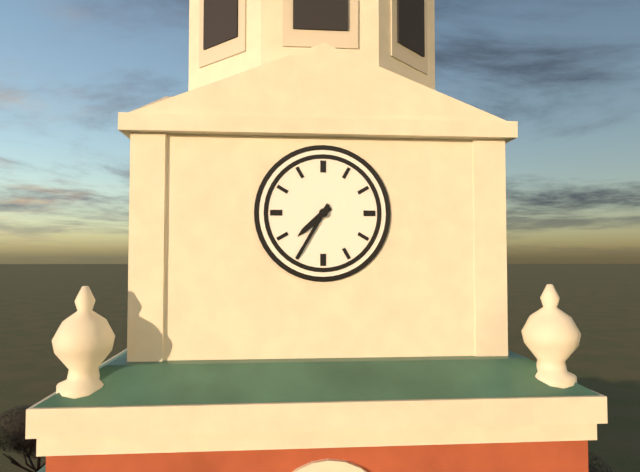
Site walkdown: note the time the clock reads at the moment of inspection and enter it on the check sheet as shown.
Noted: 7:35
